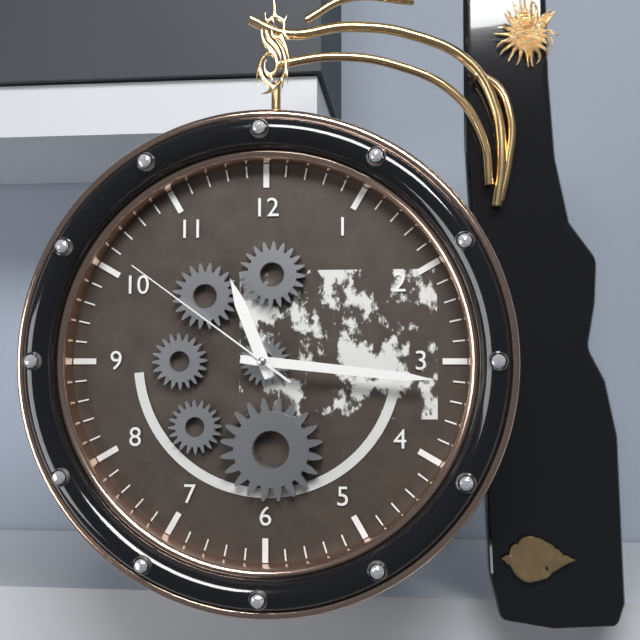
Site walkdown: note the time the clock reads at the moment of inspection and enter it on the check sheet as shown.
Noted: 11:16:51
